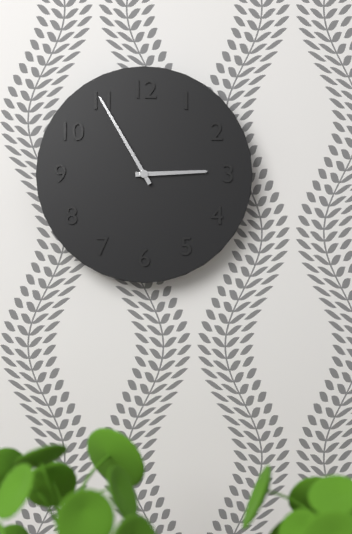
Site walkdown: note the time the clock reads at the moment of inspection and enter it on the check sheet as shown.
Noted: 2:55
